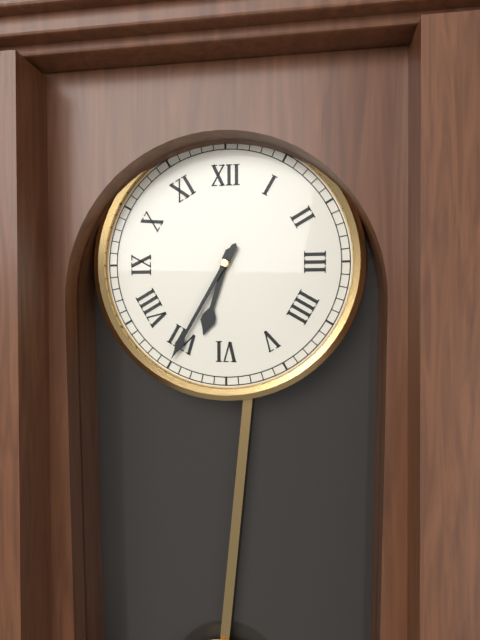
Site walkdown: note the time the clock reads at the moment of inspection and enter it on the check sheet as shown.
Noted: 6:35
